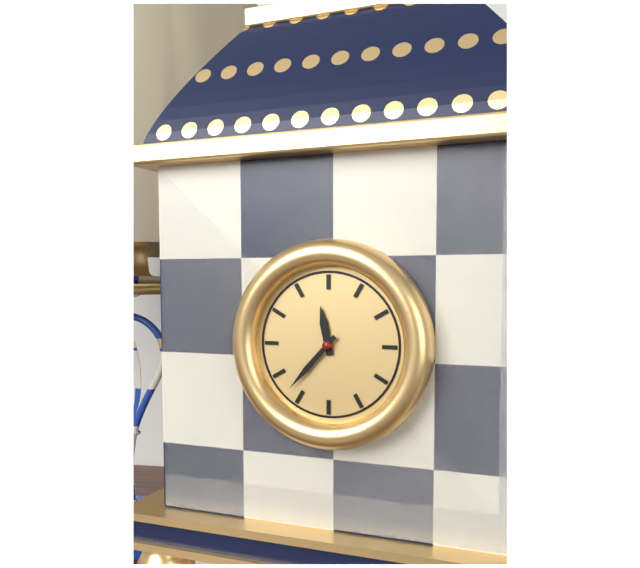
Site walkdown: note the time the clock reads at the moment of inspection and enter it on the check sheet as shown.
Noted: 11:37
